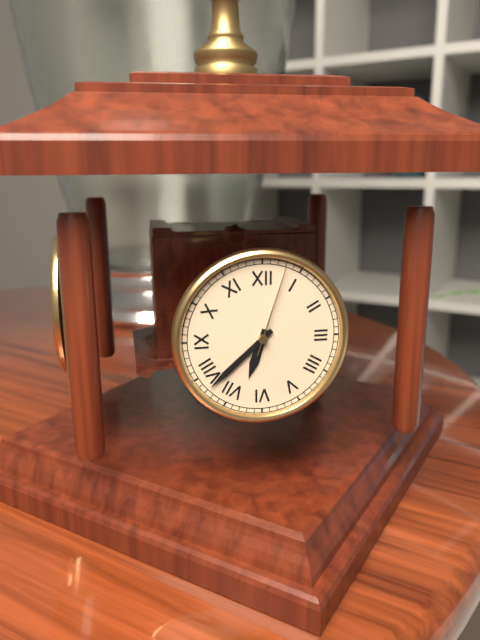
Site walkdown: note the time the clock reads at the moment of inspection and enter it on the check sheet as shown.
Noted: 6:38:03
